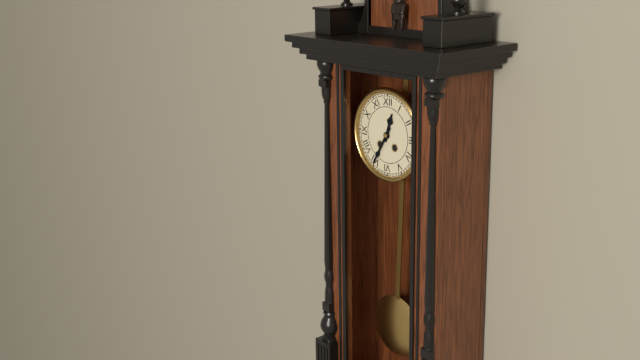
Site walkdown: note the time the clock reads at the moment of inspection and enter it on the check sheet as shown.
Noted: 12:35
